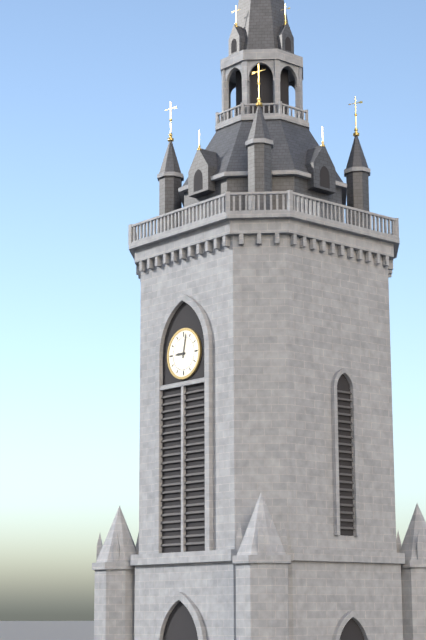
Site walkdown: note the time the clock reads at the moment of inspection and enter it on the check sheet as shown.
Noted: 9:02
